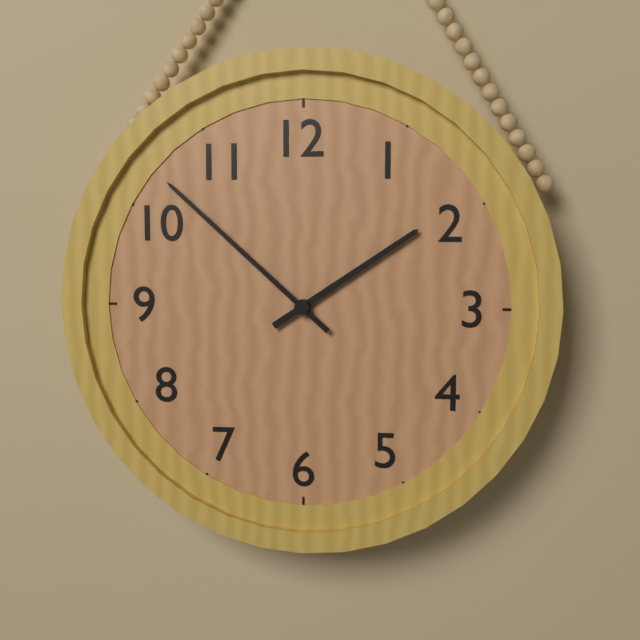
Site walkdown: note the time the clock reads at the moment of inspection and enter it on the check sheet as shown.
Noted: 1:52
